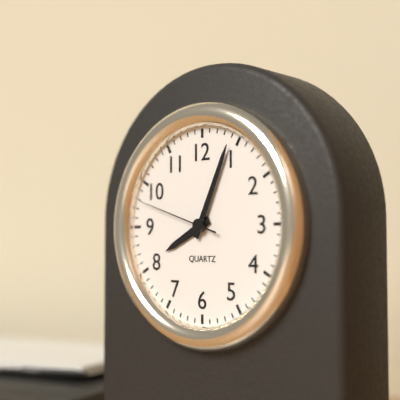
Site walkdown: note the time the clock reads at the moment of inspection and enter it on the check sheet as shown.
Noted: 8:04:48
